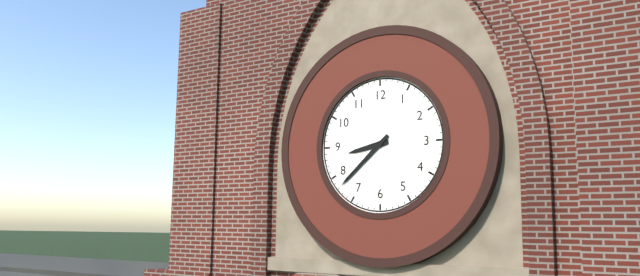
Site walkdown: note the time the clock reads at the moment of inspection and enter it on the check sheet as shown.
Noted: 8:38
